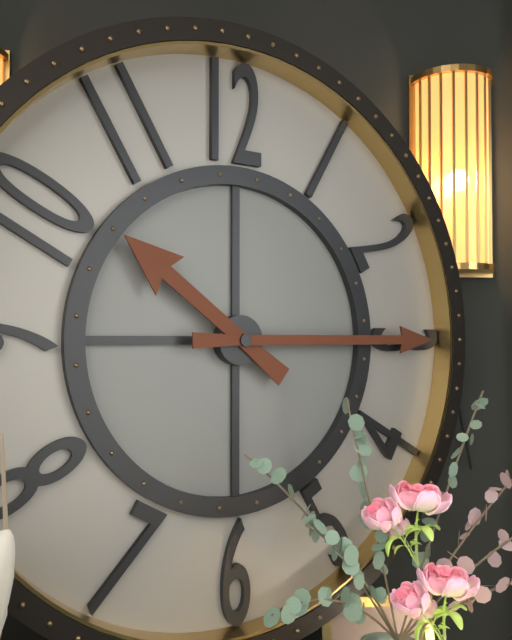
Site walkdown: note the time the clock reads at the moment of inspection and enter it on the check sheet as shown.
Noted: 10:15
